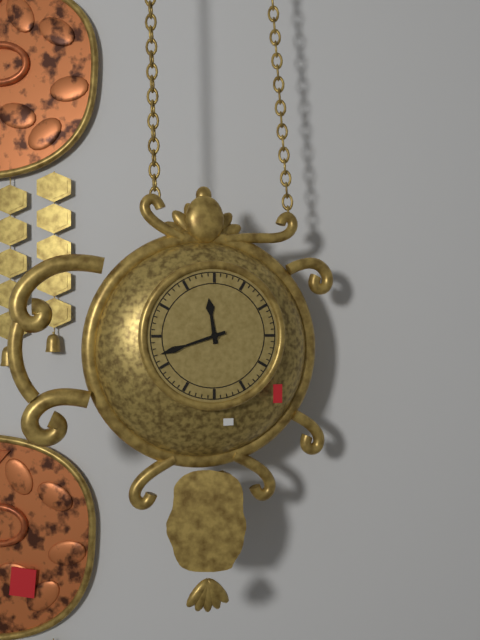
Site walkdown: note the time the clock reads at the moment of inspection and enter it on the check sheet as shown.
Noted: 11:42
